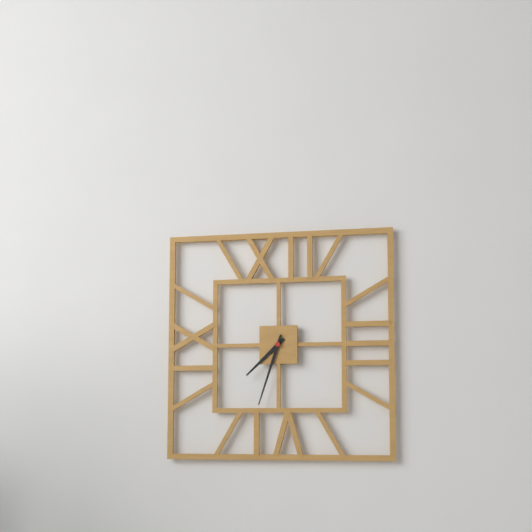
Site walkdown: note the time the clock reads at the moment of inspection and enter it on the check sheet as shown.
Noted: 7:33
